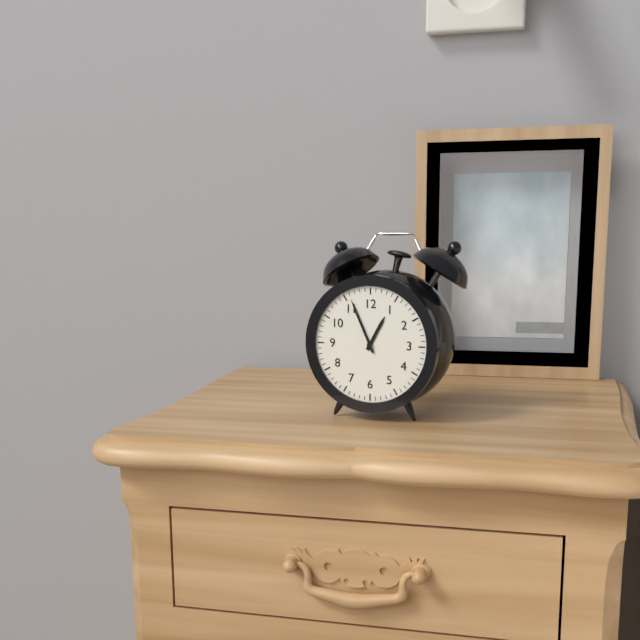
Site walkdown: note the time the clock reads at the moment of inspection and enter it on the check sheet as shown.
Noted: 12:56
